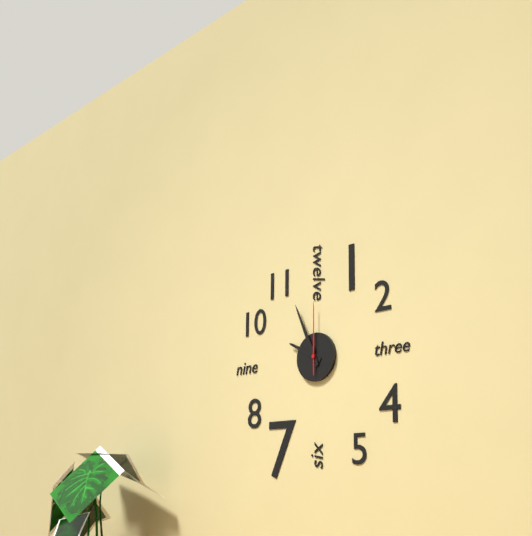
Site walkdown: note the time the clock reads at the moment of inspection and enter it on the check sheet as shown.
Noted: 9:56:00
